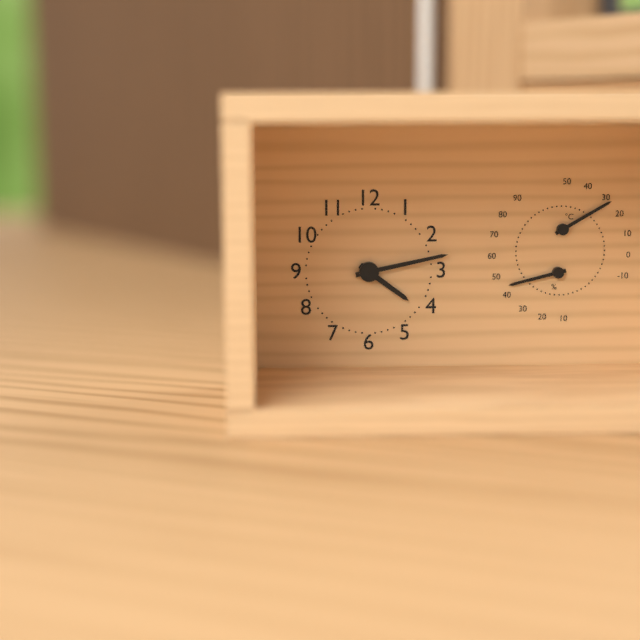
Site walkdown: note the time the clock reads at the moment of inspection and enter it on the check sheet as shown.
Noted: 4:13
